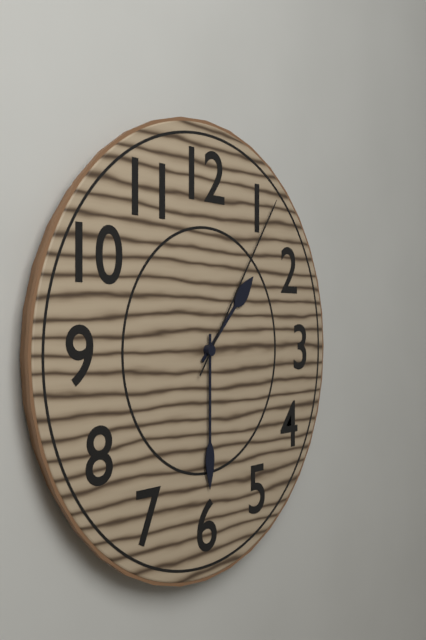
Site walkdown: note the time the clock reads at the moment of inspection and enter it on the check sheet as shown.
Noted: 1:30:06
